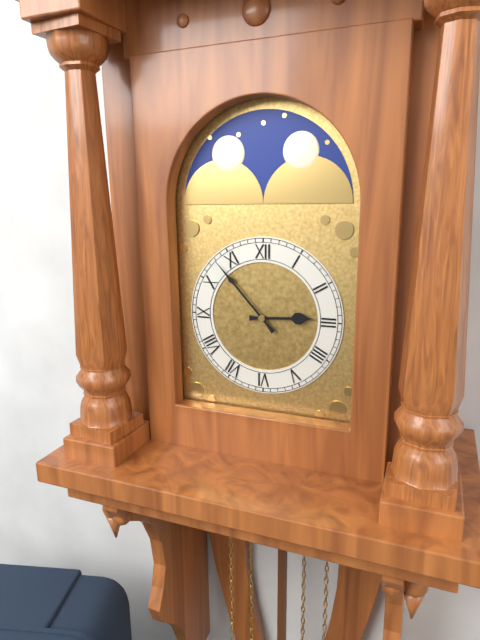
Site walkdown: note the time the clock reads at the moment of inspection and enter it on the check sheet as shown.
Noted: 2:53
